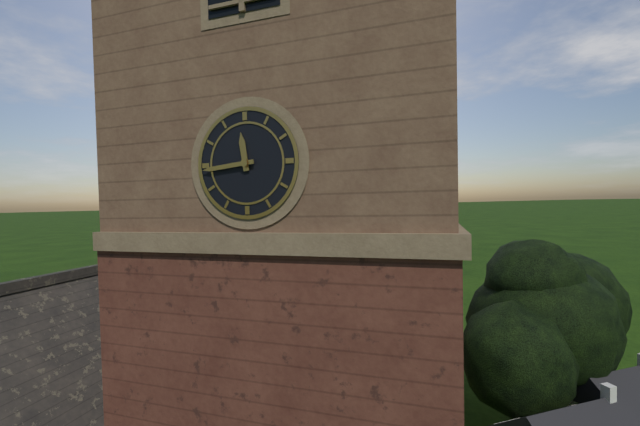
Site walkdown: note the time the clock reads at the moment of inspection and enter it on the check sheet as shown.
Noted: 11:44
